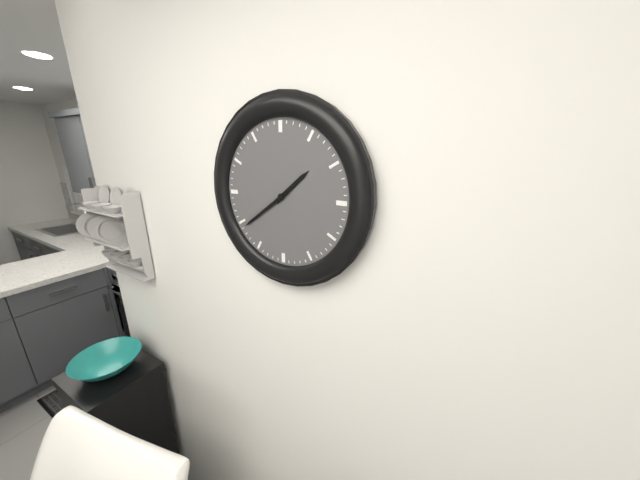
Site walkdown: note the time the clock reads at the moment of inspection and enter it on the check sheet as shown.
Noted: 1:39
